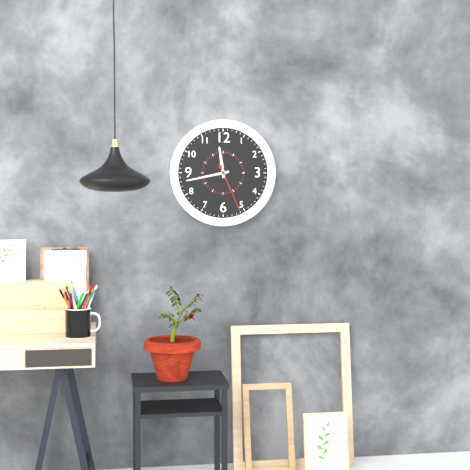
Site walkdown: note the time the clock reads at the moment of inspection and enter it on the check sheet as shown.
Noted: 11:43:26
